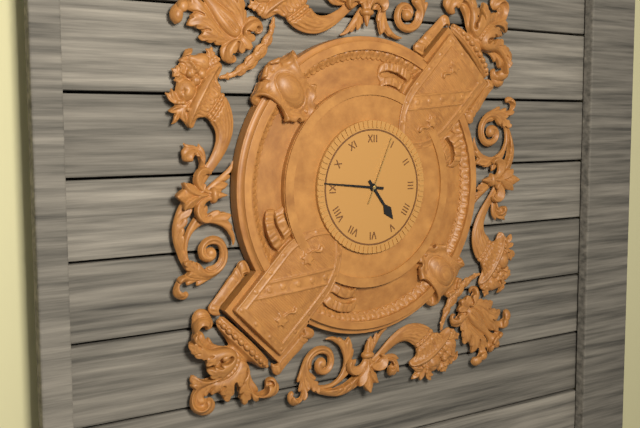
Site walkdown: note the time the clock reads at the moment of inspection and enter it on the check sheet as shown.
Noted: 4:46:04
